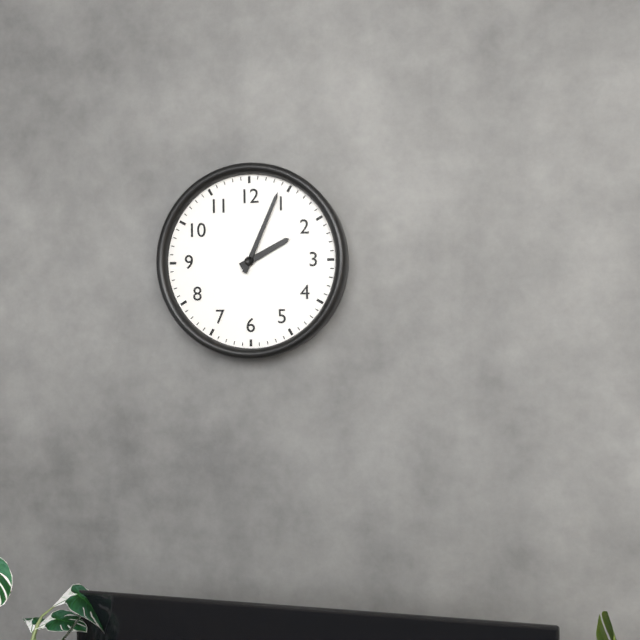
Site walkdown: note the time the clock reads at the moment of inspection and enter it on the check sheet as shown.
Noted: 2:04
